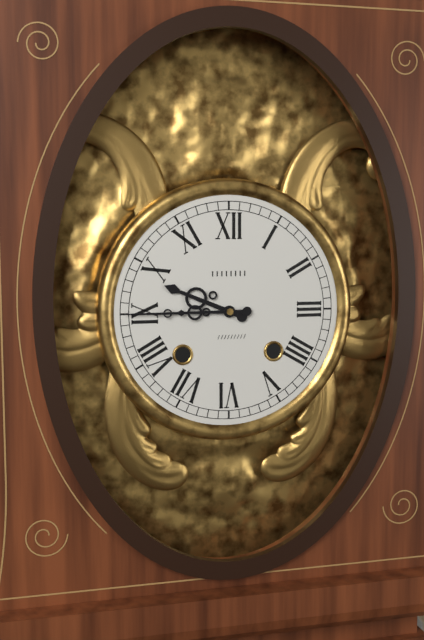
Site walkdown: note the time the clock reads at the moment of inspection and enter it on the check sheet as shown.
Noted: 9:45
